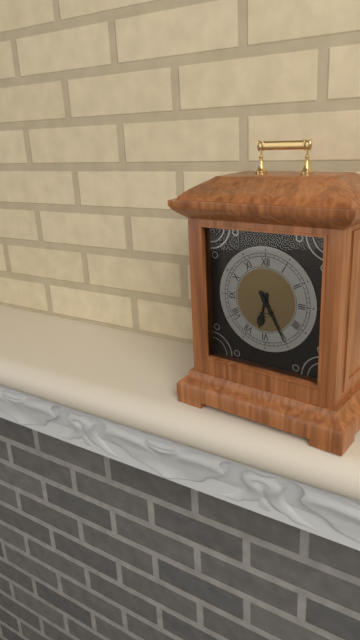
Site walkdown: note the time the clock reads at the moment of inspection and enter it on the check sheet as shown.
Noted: 6:25
